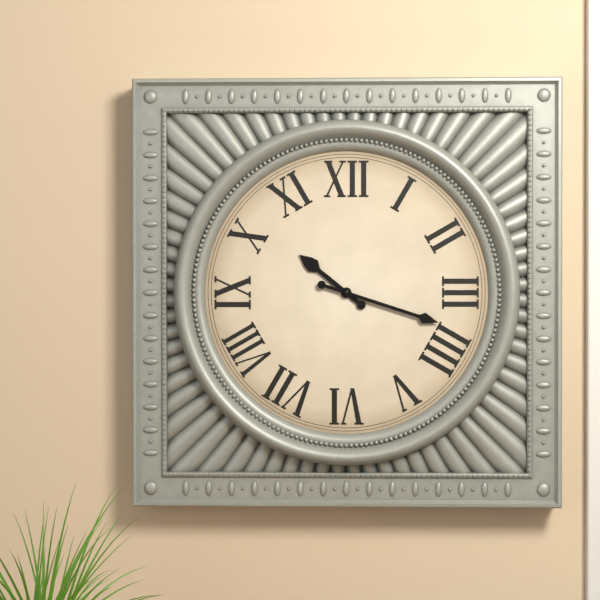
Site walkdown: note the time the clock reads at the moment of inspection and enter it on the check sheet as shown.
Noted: 10:18
